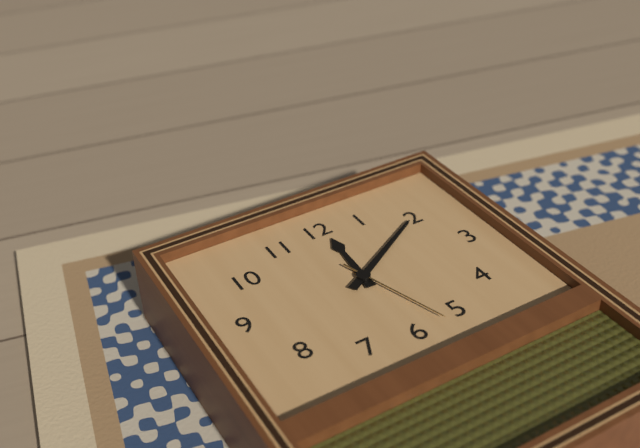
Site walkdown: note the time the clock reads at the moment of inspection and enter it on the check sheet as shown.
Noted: 12:10:27
